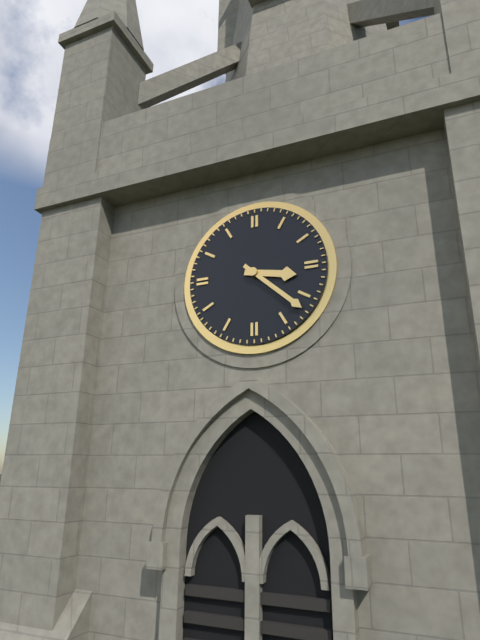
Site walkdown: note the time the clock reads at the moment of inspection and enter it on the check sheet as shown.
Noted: 3:22
